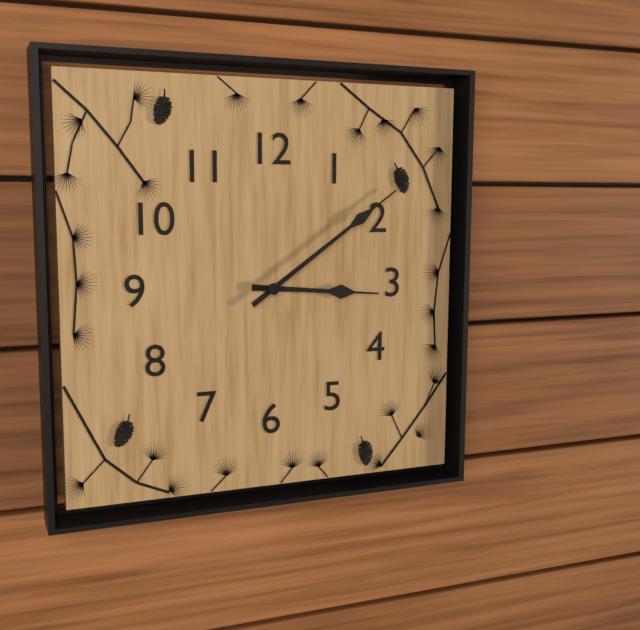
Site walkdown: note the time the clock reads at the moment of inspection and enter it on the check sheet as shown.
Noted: 3:09
